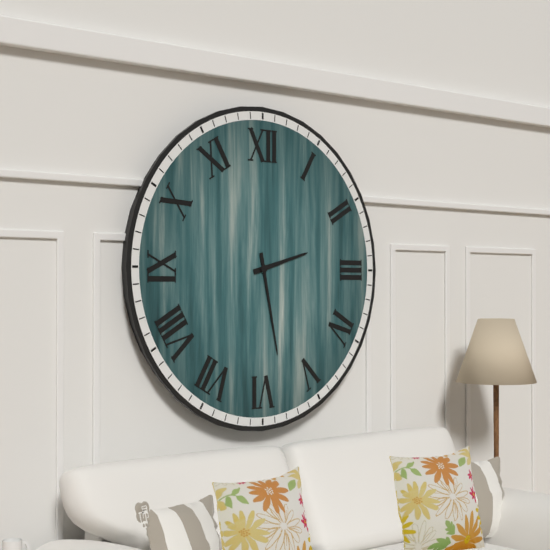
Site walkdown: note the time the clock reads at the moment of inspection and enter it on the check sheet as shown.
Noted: 2:28
